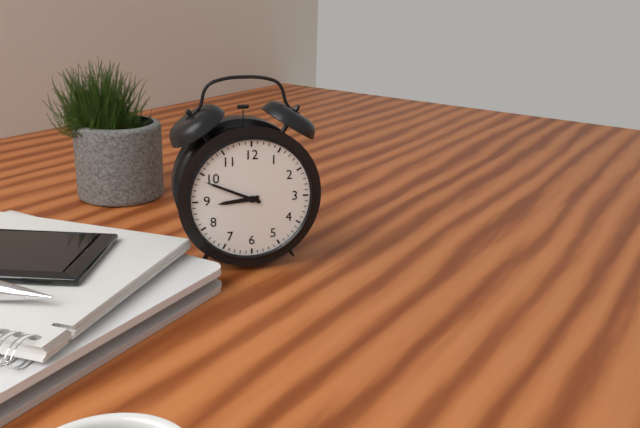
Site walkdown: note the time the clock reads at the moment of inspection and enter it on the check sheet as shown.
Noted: 8:49
